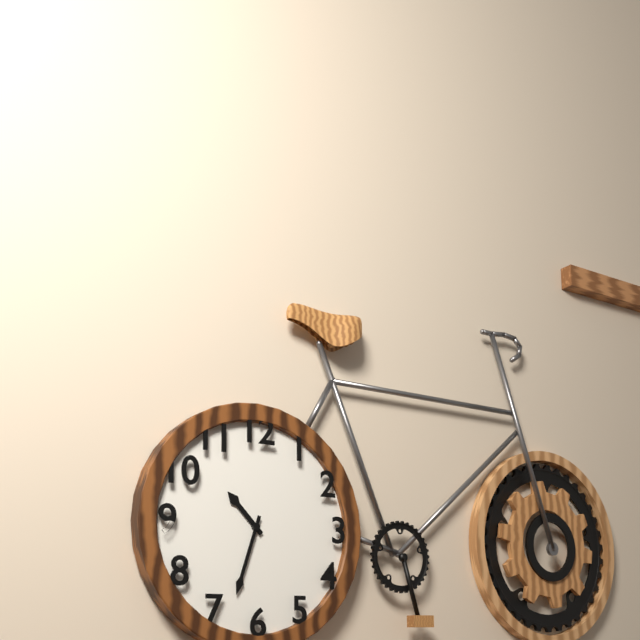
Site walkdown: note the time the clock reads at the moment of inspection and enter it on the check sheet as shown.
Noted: 10:33
